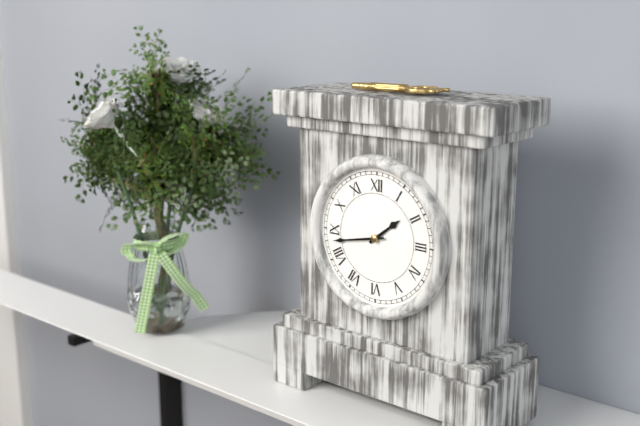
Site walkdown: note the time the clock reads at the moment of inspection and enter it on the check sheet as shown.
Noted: 1:43
